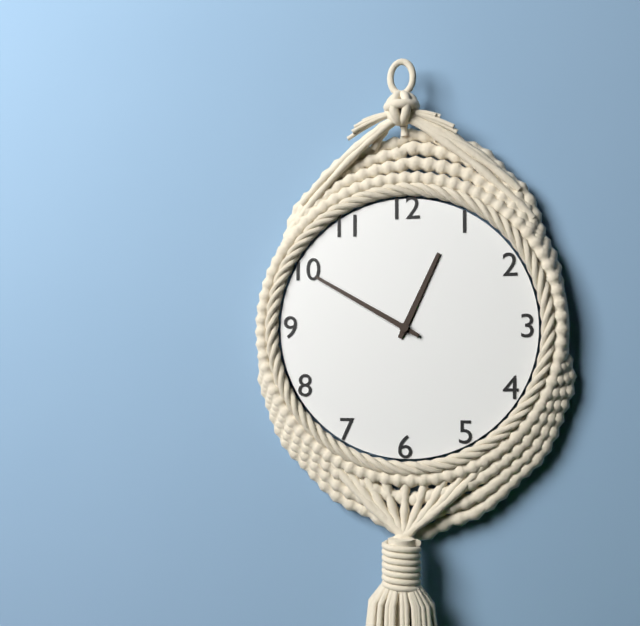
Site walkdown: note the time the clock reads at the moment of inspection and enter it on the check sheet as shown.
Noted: 12:50
